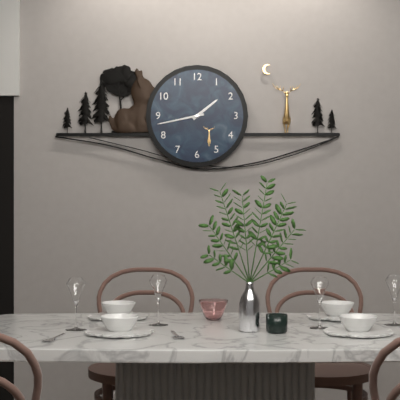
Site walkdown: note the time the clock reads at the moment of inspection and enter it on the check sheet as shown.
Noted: 1:43
